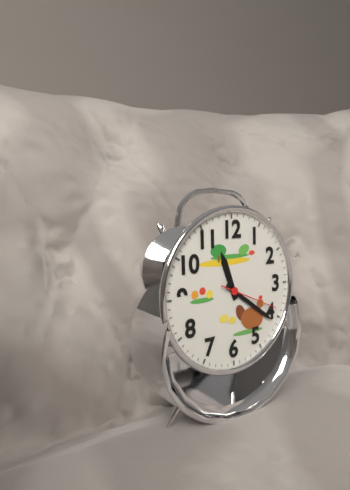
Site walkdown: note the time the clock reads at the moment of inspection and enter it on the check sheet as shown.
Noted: 11:21:19
